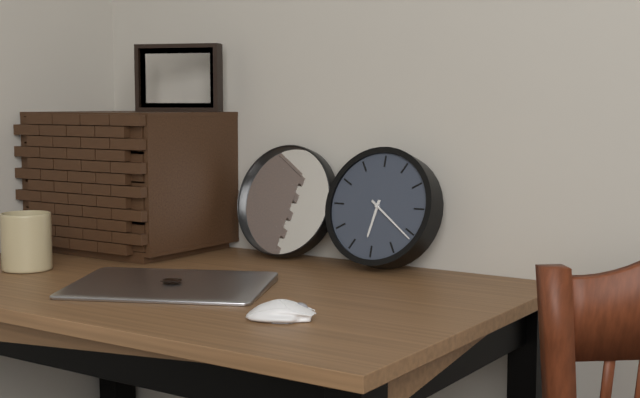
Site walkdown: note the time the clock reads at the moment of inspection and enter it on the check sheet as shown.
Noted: 6:21
